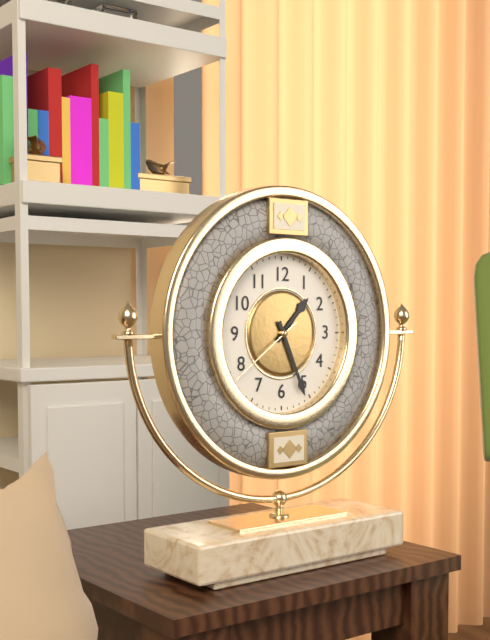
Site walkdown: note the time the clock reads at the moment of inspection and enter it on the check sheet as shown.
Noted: 1:26:39
